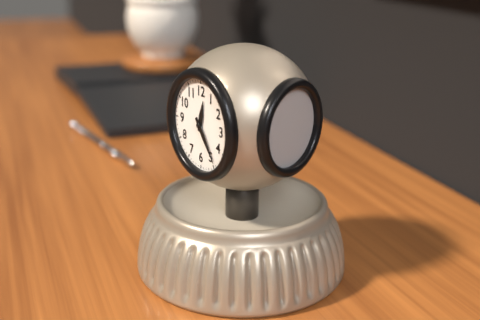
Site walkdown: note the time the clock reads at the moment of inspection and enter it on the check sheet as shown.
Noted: 12:24
